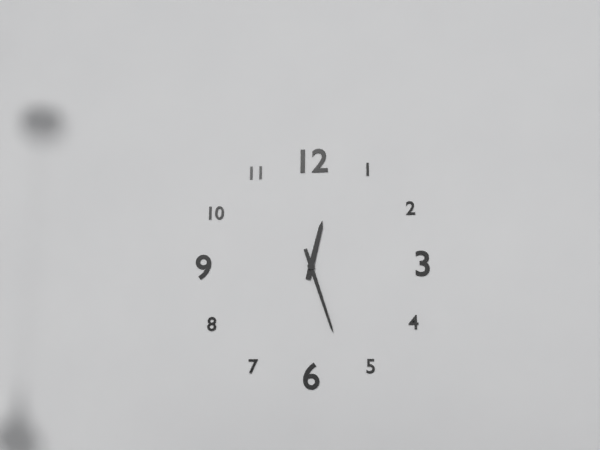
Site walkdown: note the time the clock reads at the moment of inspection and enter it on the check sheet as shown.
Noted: 12:27
